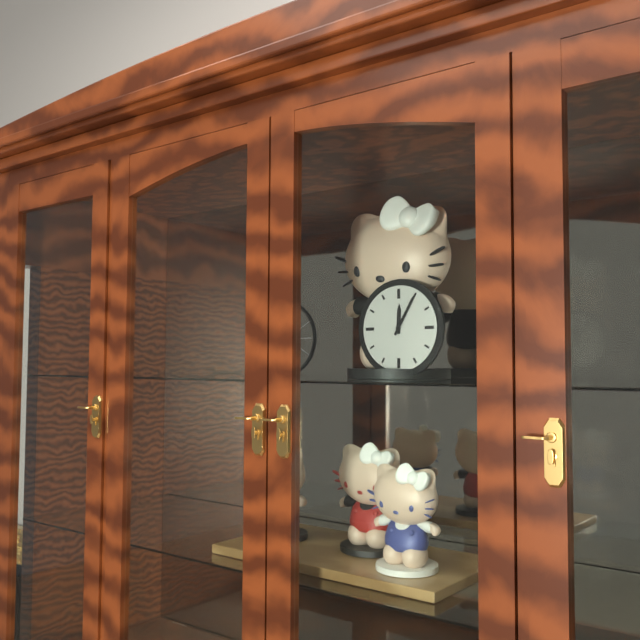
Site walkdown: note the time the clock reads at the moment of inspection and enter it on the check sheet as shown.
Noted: 12:05
